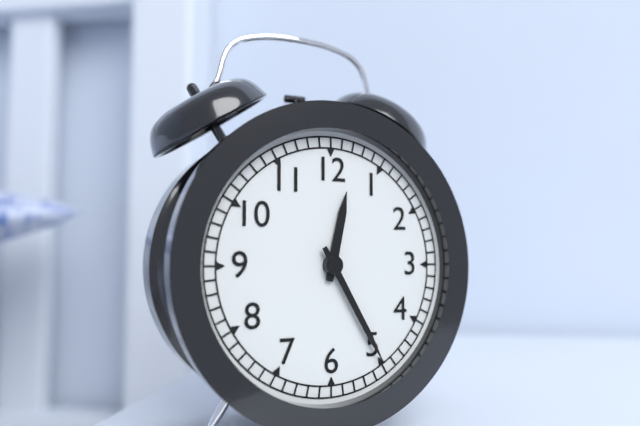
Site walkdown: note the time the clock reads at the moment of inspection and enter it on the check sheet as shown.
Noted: 12:25
